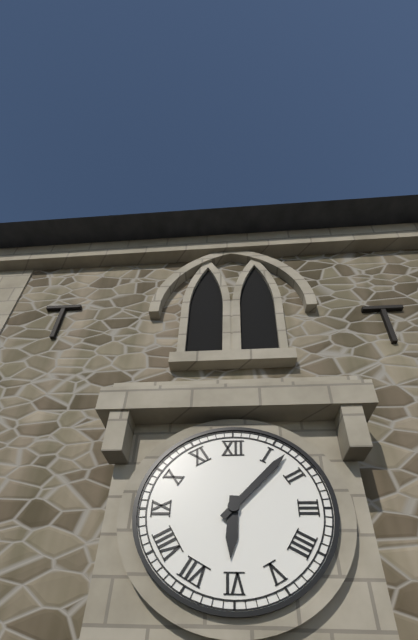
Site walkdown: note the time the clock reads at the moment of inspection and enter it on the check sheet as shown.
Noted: 6:07
